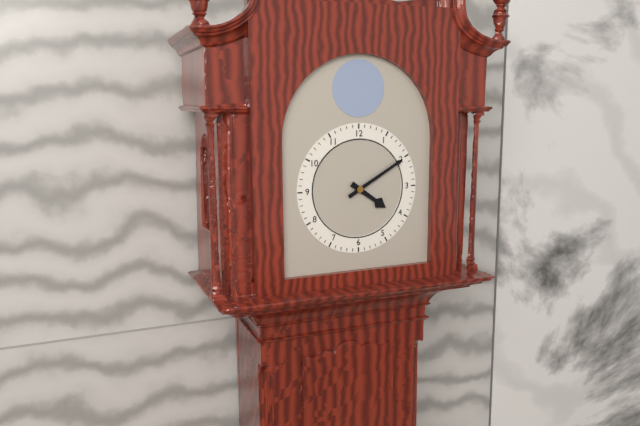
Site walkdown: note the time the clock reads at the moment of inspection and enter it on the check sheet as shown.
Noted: 4:10
